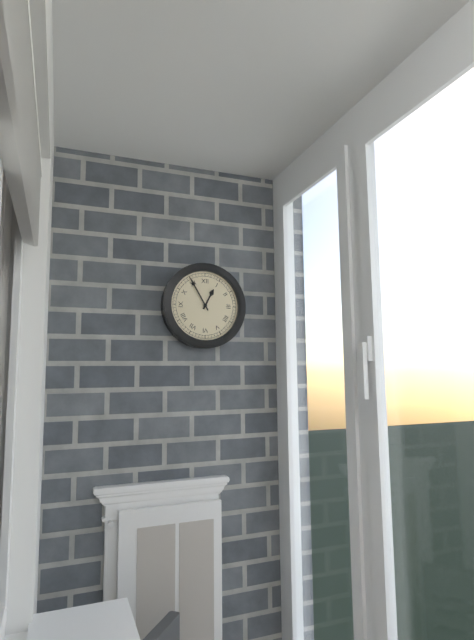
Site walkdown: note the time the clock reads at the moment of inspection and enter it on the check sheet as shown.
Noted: 12:55
